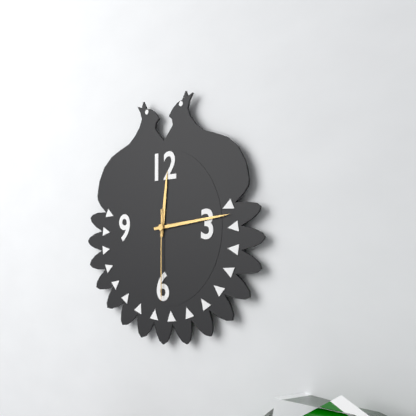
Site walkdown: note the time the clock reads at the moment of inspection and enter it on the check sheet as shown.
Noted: 12:14:30
